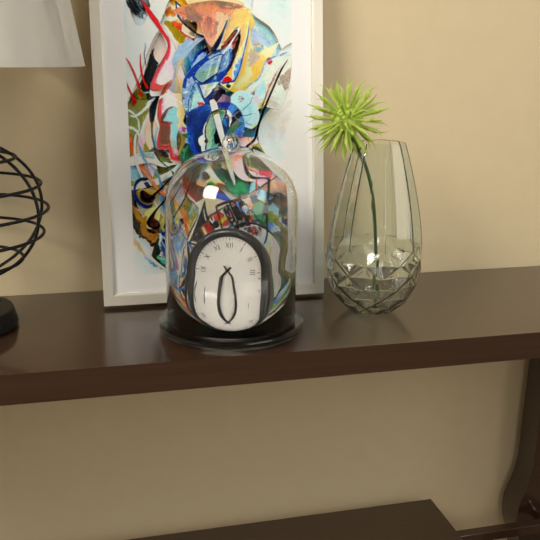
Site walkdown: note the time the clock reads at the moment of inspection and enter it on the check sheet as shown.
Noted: 7:23
